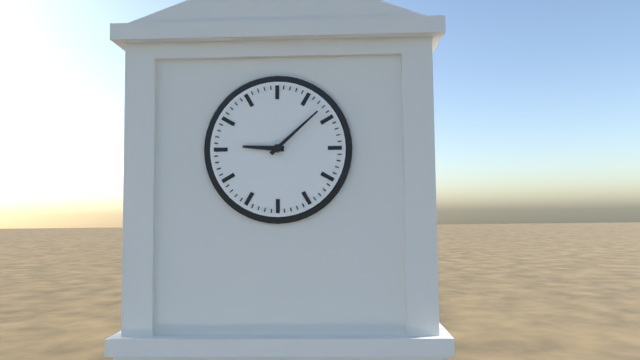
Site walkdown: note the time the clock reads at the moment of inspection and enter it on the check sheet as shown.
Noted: 9:08
